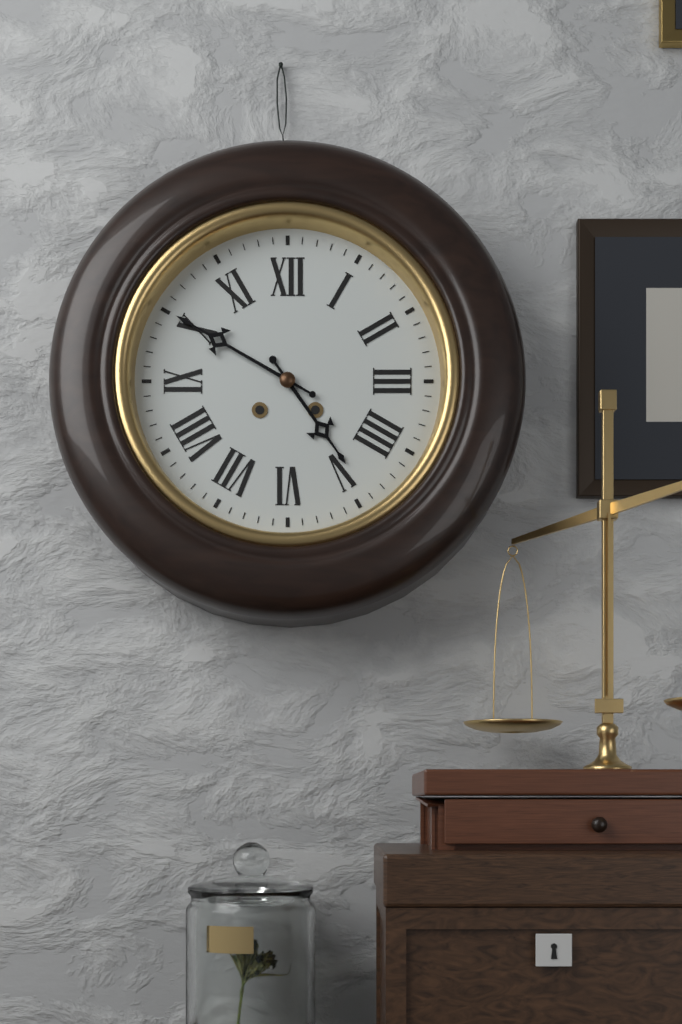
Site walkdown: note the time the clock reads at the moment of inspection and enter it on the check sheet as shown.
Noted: 4:50
